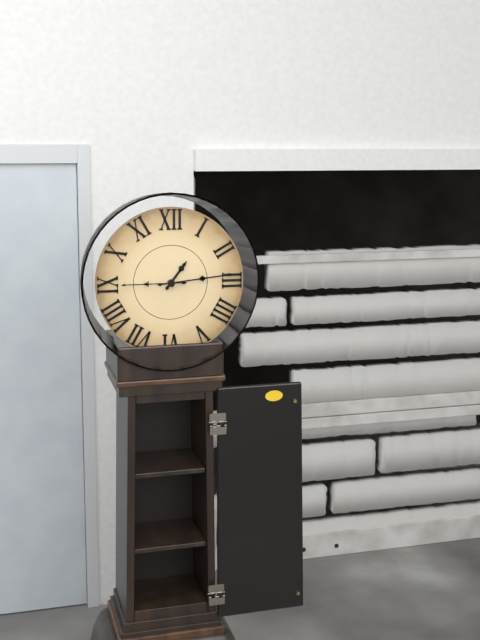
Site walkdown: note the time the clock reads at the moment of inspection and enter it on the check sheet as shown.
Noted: 1:14:45
